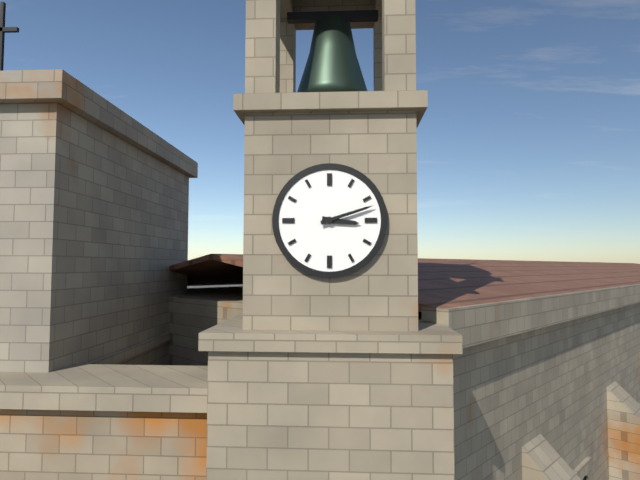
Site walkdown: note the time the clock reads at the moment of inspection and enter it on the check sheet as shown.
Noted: 3:12
